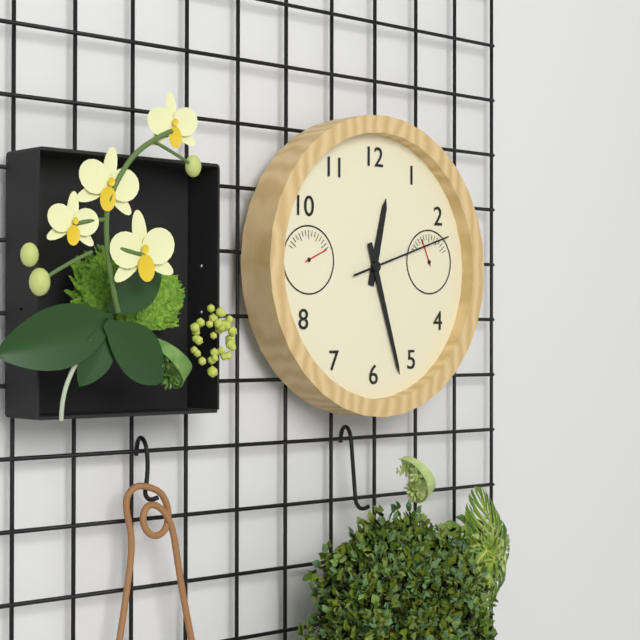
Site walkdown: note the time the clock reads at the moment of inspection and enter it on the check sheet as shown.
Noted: 12:27:12
